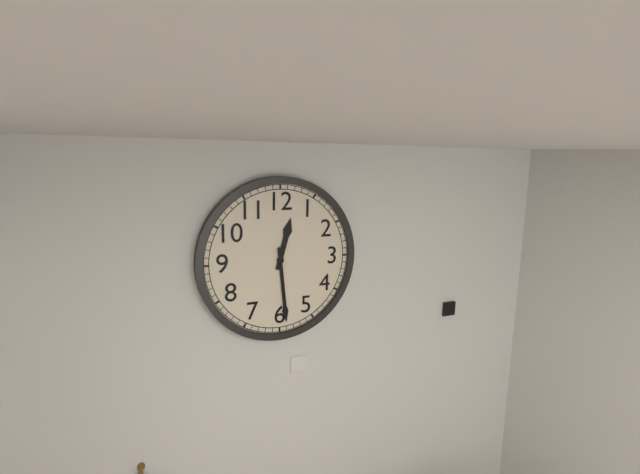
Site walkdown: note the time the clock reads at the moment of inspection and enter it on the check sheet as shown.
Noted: 12:29
